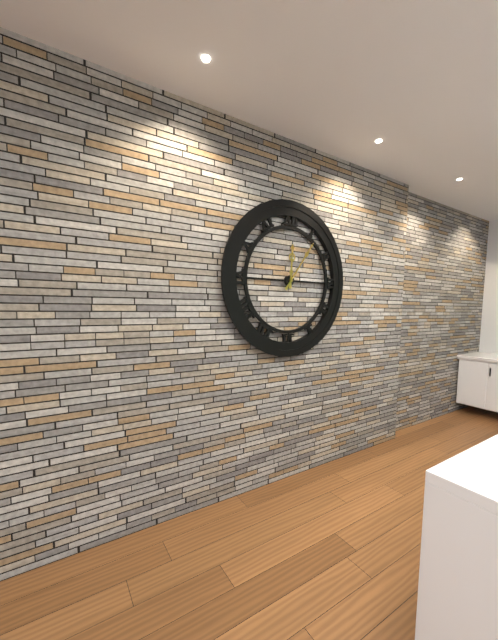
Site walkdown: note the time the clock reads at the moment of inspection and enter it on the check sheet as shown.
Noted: 12:06
